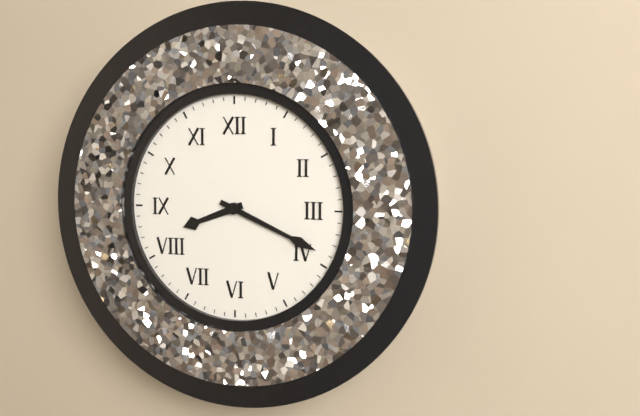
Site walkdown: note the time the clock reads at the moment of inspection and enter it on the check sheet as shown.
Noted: 8:19
